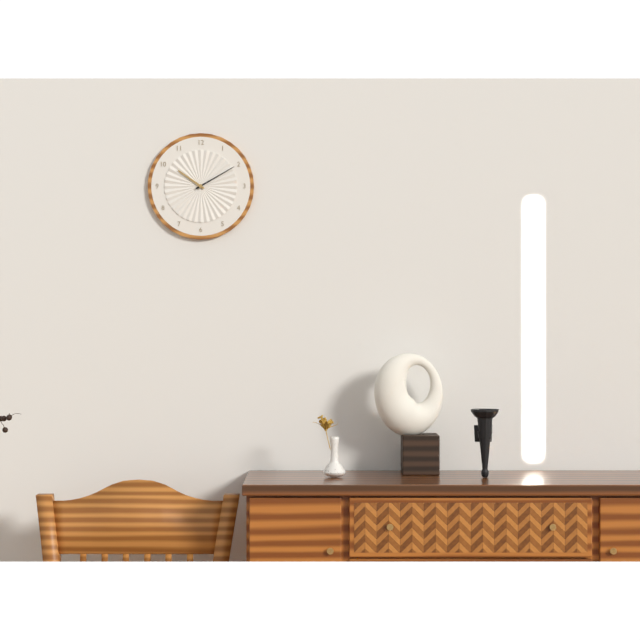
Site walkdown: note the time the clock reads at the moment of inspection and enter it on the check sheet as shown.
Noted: 10:10
